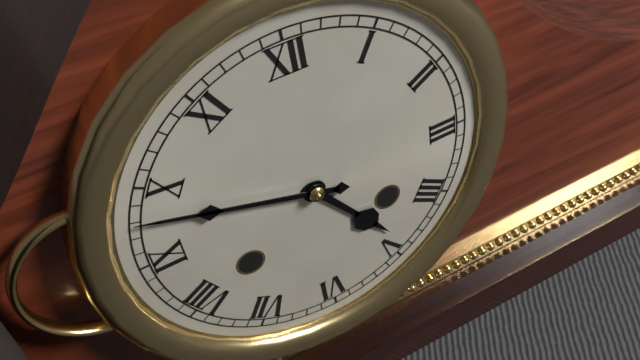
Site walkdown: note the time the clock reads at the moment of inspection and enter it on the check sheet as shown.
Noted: 4:48
